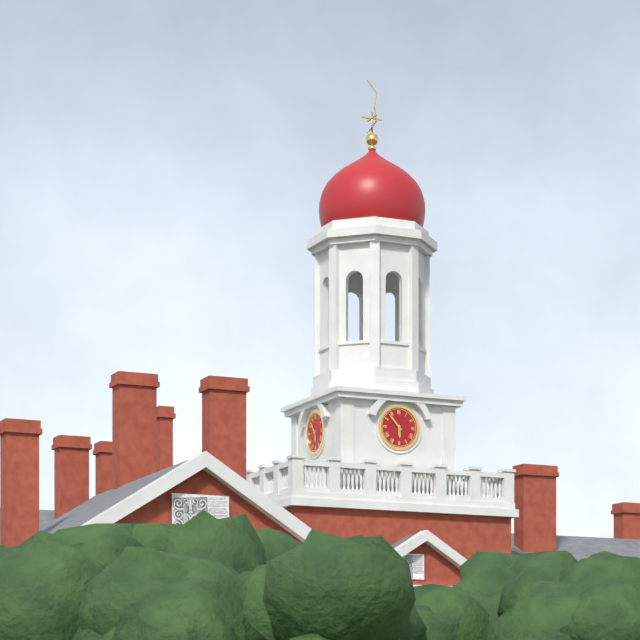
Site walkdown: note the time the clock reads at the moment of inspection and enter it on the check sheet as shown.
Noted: 5:53
